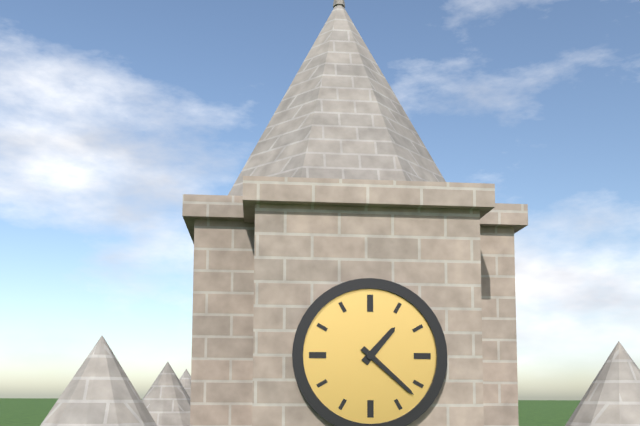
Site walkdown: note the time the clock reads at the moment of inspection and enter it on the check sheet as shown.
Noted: 1:22
